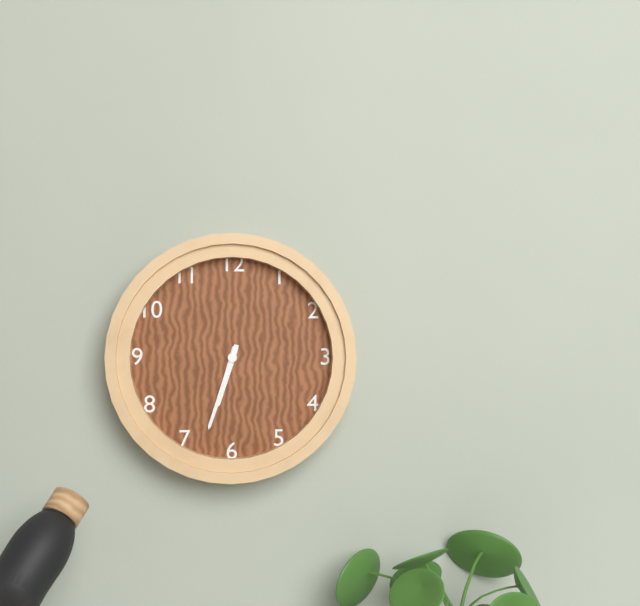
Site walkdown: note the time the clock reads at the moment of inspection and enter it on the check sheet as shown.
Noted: 6:33
